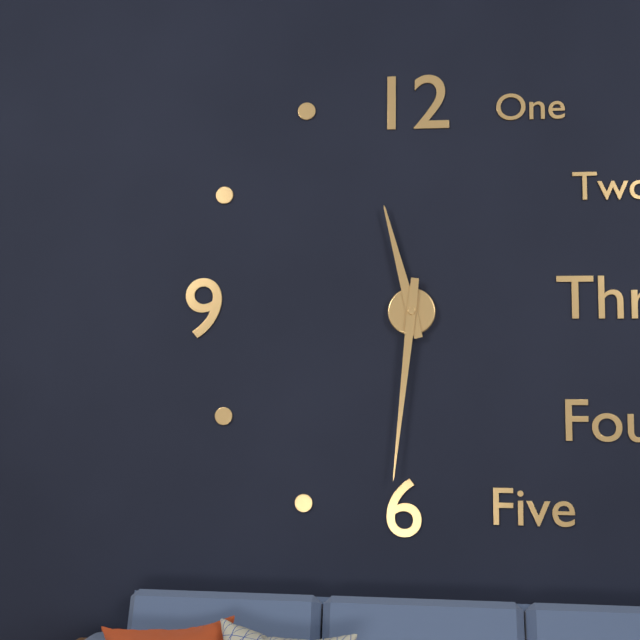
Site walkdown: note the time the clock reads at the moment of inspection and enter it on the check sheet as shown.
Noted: 11:31
